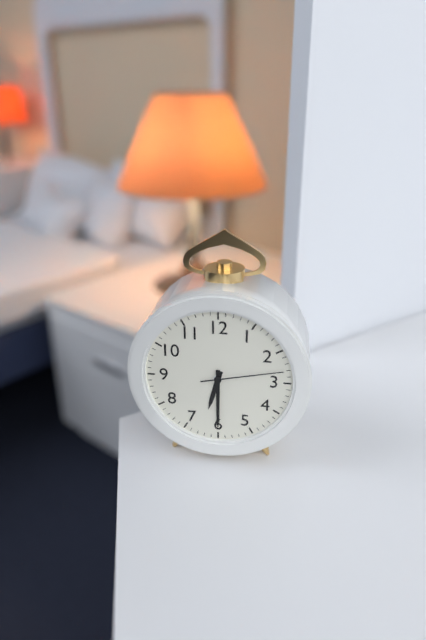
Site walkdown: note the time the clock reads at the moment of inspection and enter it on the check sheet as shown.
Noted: 6:30:13
